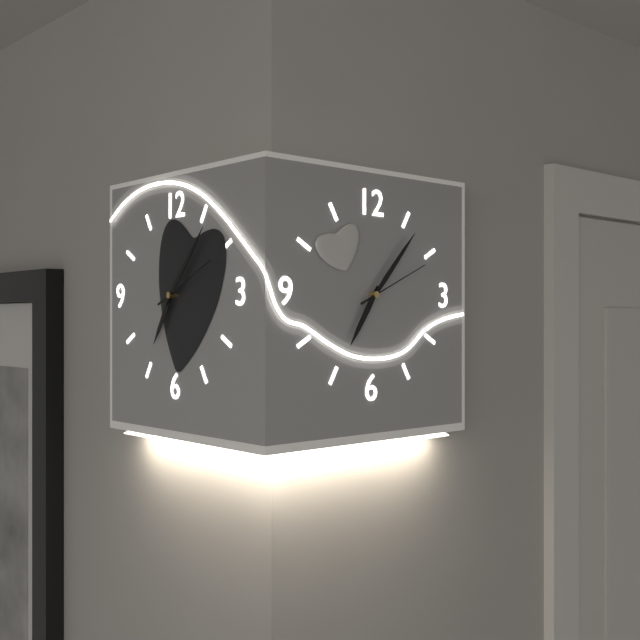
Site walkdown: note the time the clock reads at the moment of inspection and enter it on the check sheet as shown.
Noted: 7:07:11
